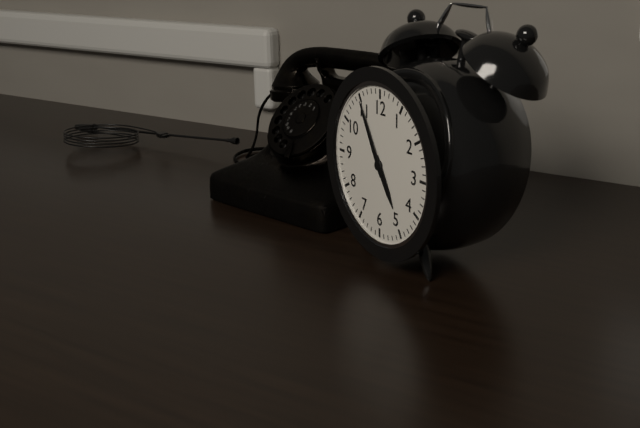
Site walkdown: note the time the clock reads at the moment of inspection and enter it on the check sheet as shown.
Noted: 4:55
